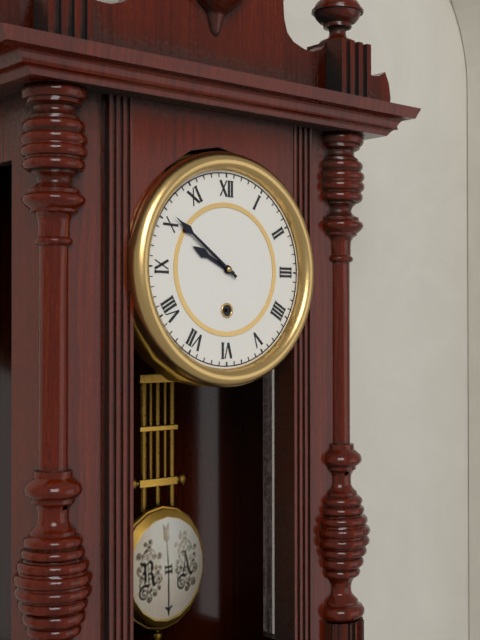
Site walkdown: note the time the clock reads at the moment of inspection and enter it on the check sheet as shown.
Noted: 9:51
